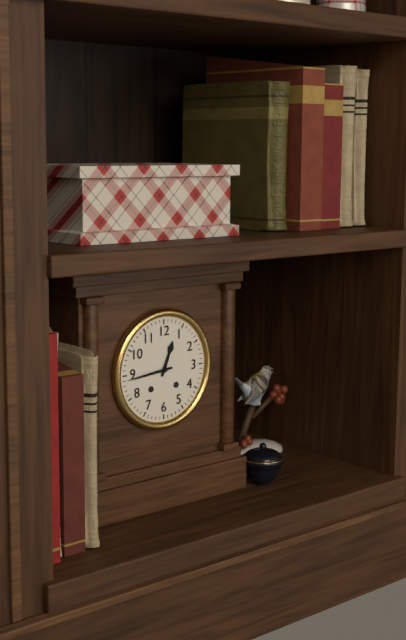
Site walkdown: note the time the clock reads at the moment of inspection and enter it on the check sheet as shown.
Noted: 12:44
